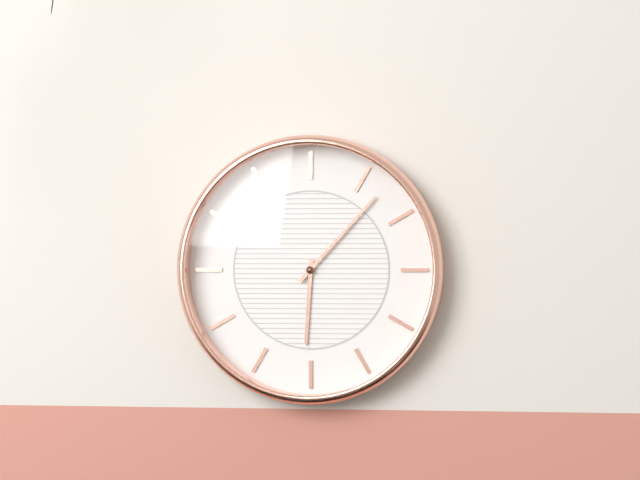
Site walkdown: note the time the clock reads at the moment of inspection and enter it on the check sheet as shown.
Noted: 6:07
